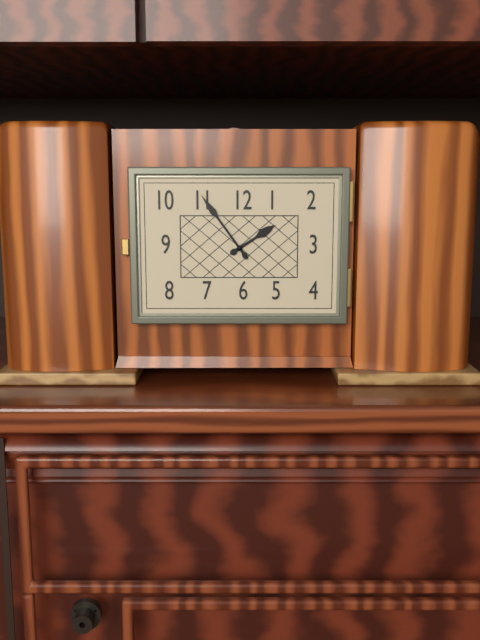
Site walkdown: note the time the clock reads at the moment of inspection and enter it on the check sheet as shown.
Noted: 1:54
